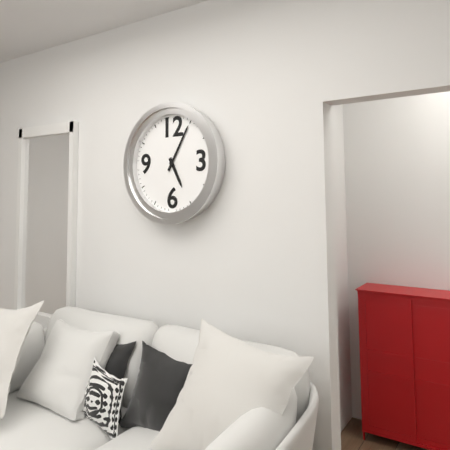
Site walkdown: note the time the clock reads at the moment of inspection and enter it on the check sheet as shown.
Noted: 5:05
